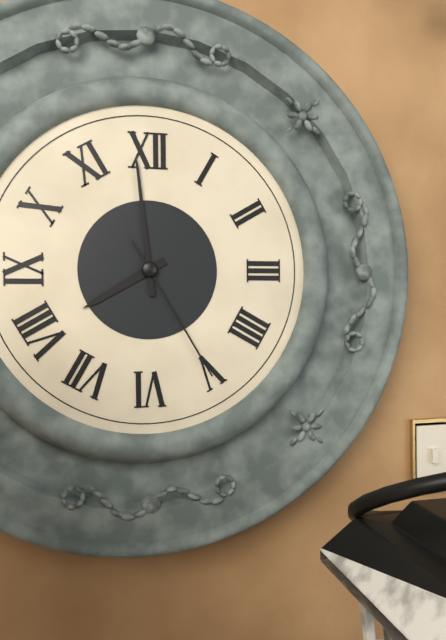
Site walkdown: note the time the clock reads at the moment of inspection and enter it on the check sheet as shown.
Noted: 7:59:25
